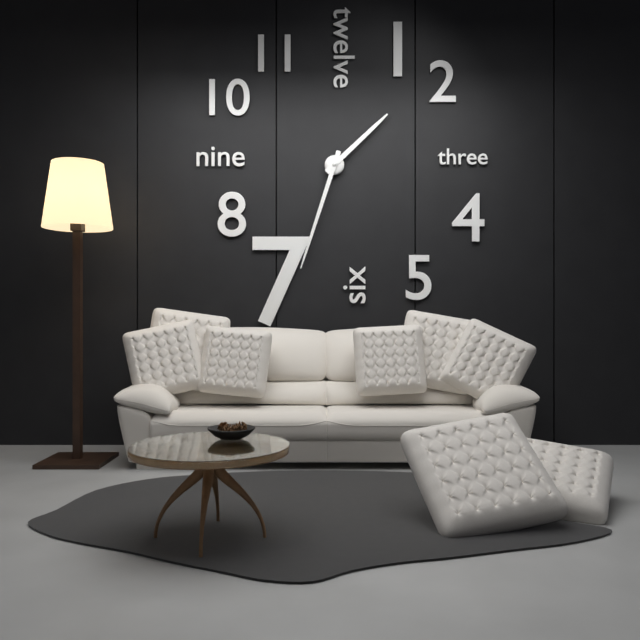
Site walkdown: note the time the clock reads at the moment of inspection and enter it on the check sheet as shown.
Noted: 1:33
